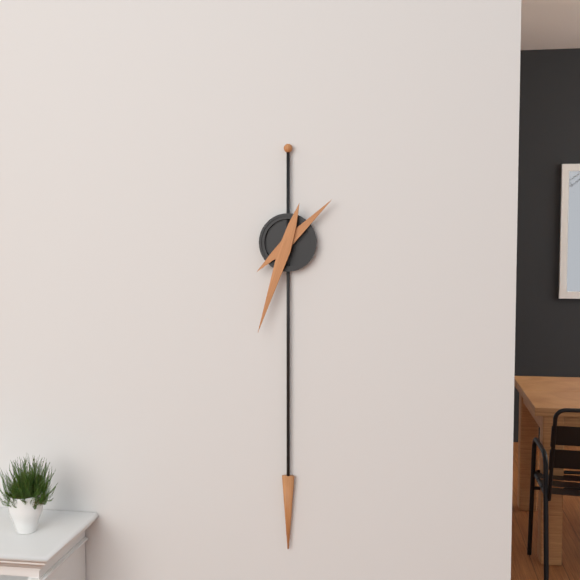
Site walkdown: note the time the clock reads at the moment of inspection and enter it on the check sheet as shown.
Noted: 1:33
